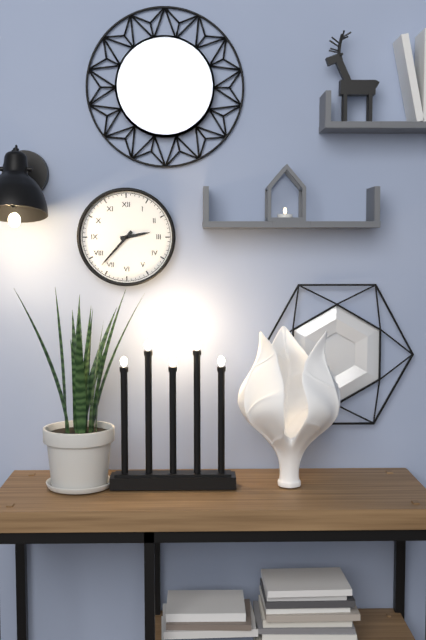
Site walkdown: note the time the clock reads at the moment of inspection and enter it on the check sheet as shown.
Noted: 2:37
